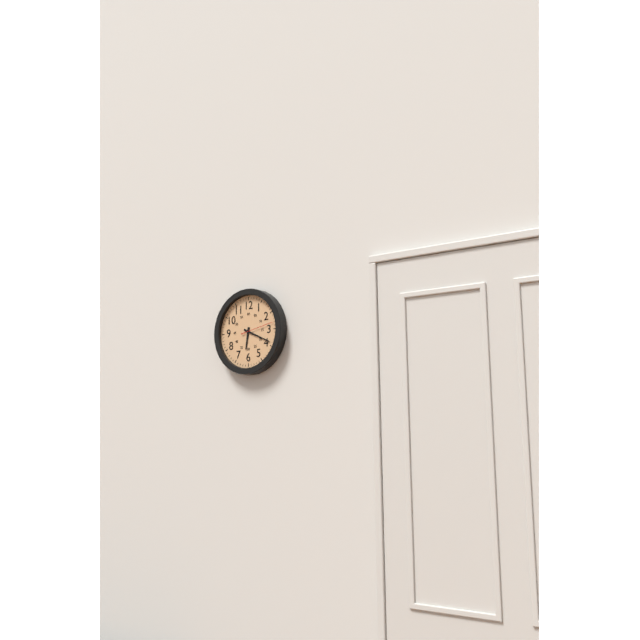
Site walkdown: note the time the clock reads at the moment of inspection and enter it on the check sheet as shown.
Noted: 6:19
